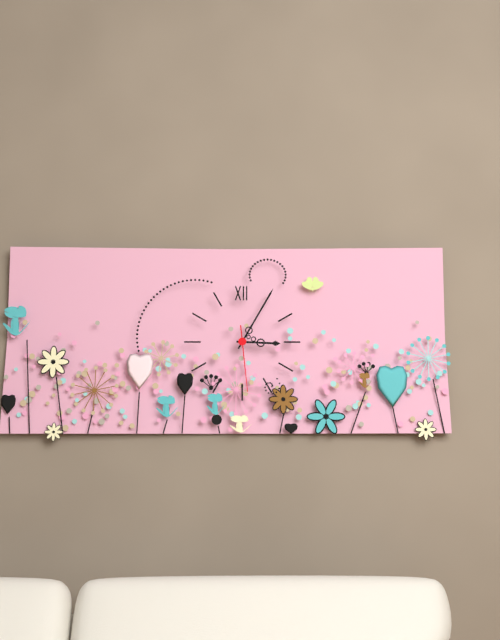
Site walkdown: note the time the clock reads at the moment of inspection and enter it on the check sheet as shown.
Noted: 3:05:29
